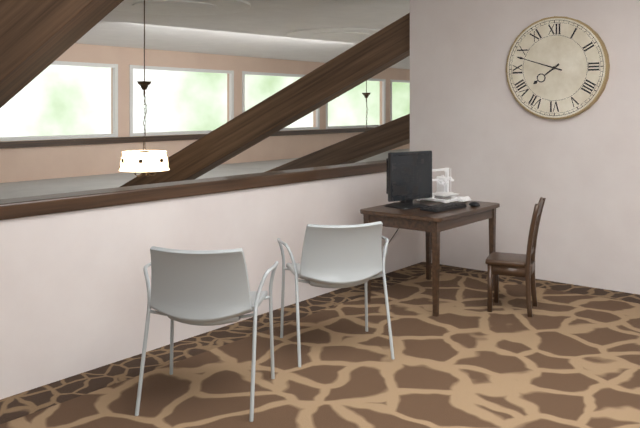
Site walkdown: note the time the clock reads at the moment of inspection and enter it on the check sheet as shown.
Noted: 7:48
